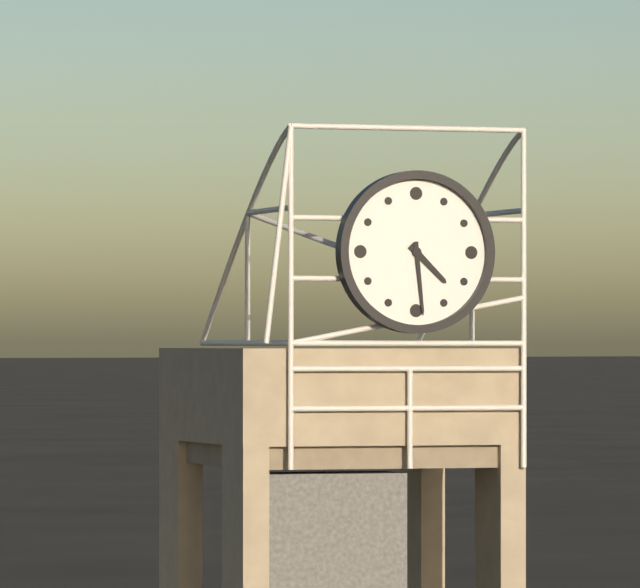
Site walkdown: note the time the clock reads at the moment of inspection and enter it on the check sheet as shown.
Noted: 4:29
